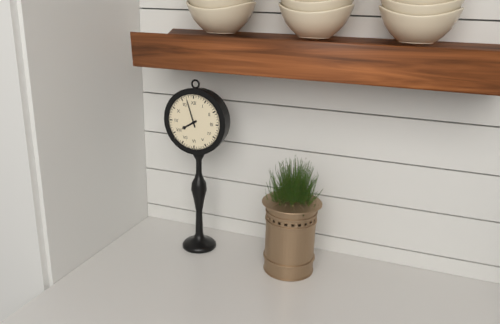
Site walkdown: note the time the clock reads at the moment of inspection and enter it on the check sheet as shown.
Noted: 7:57
